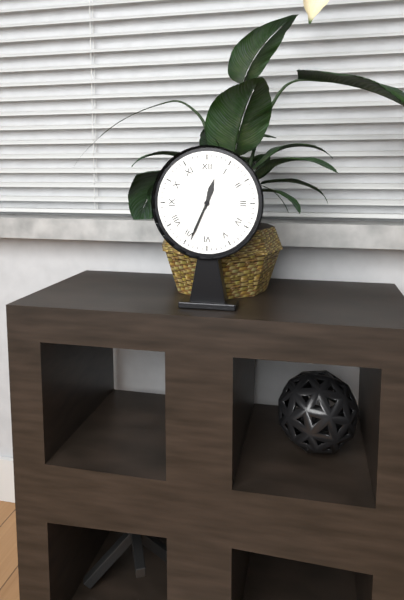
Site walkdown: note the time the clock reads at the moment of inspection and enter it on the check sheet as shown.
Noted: 12:34
